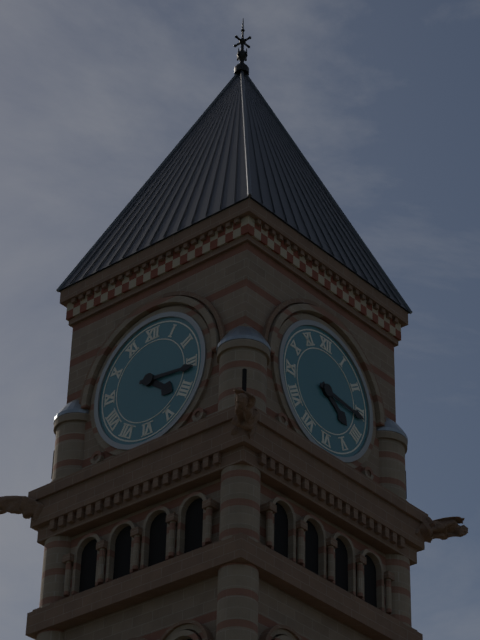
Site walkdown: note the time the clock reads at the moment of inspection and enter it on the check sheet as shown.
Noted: 4:16
